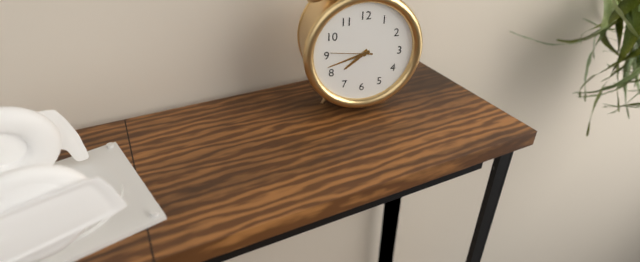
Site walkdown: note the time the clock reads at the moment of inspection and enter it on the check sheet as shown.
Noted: 7:42
